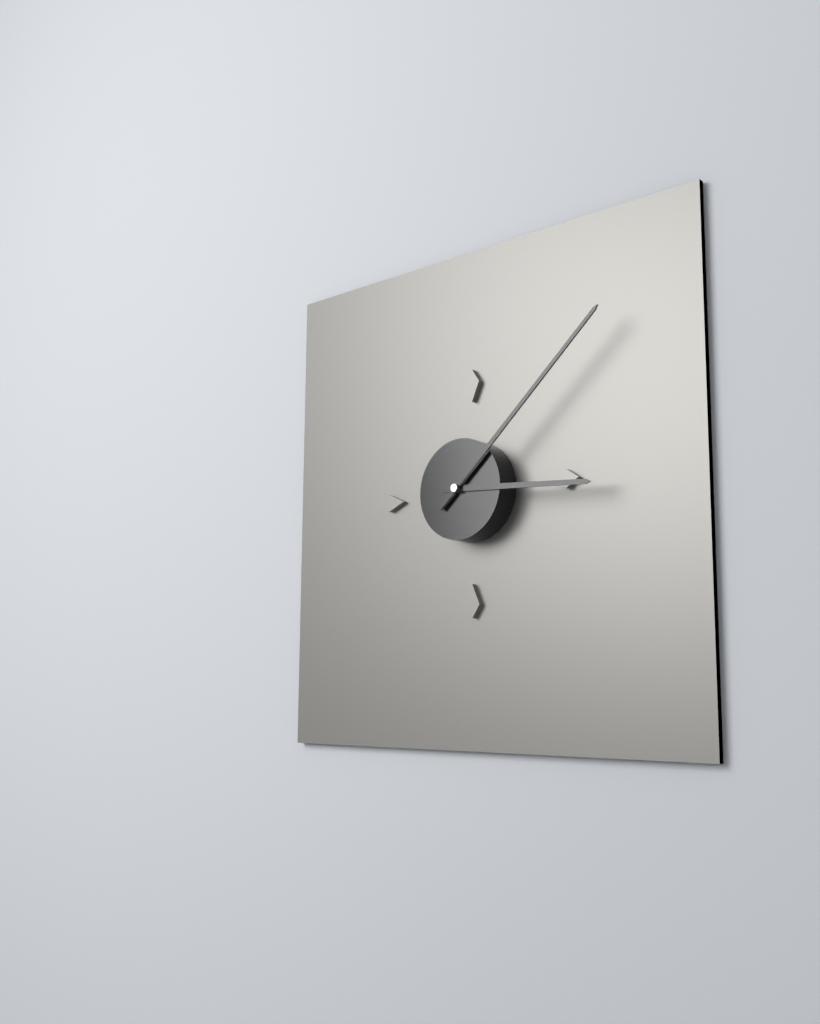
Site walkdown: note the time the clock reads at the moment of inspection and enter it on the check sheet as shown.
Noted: 3:08
